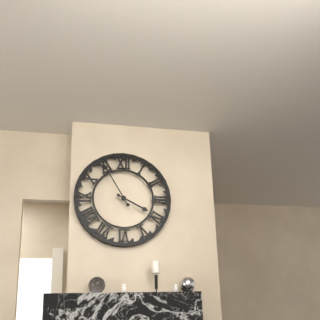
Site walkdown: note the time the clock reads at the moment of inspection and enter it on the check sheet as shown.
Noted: 3:55
